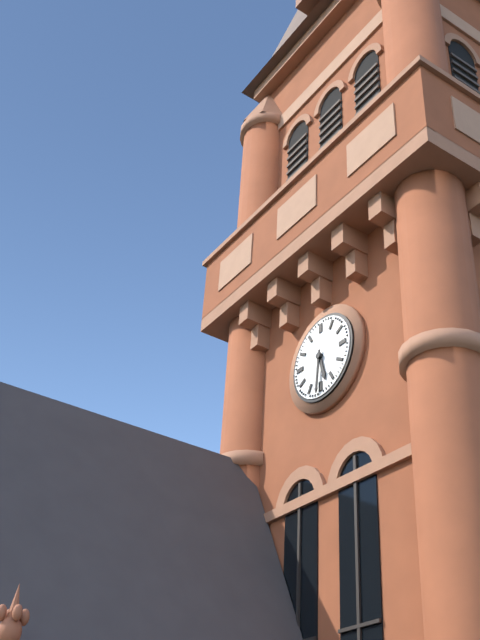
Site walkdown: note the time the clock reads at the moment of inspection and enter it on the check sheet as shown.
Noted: 5:31
